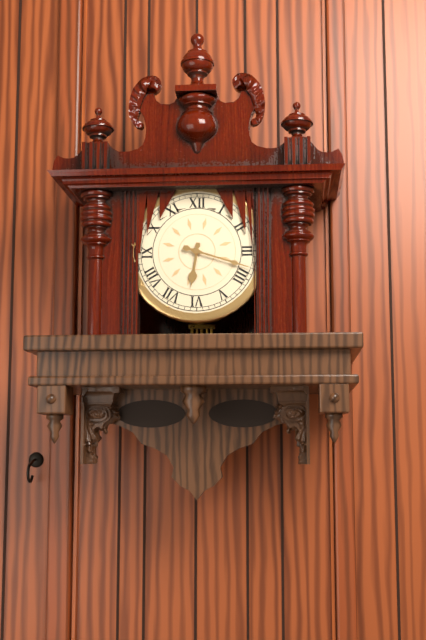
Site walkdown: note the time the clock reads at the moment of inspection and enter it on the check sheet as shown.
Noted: 6:18
